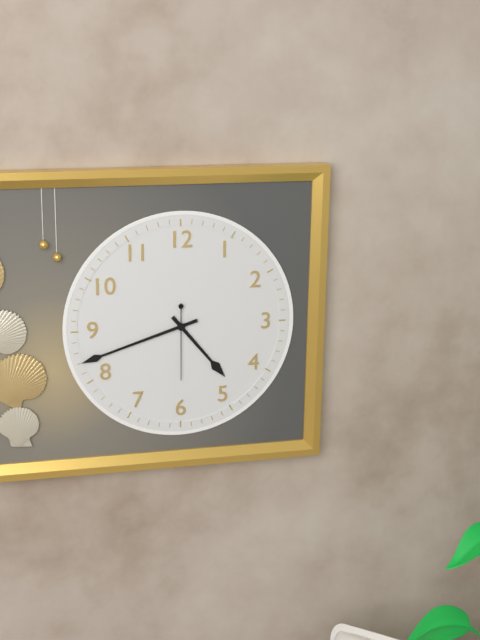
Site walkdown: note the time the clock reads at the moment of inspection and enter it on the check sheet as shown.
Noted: 4:42:30
